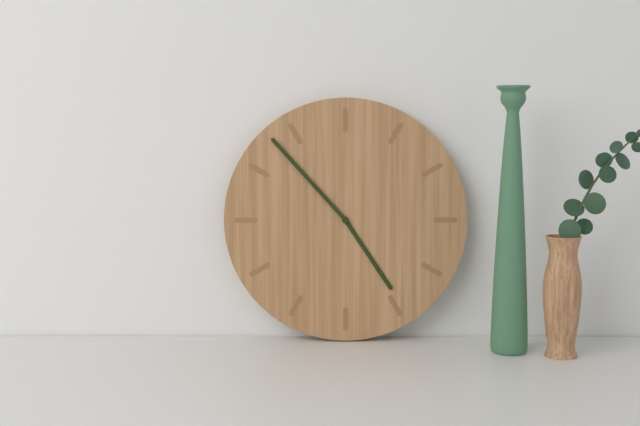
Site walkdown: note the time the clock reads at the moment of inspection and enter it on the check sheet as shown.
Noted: 4:53
